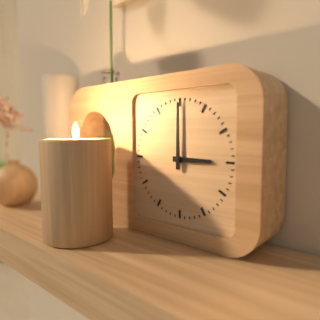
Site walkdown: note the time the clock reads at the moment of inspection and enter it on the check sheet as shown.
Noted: 3:00
